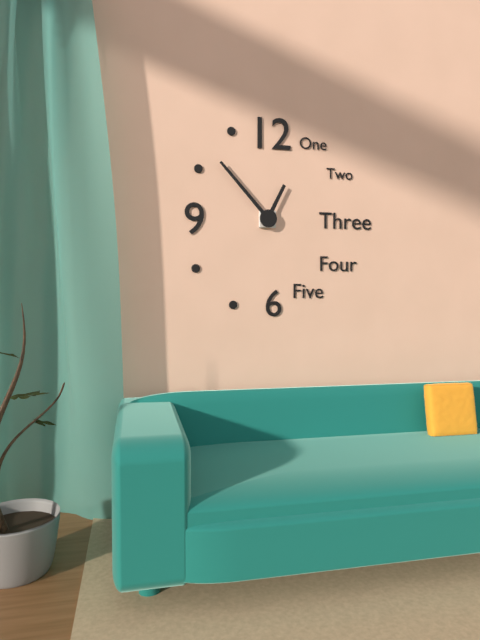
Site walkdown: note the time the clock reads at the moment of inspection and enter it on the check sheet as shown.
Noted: 12:53
